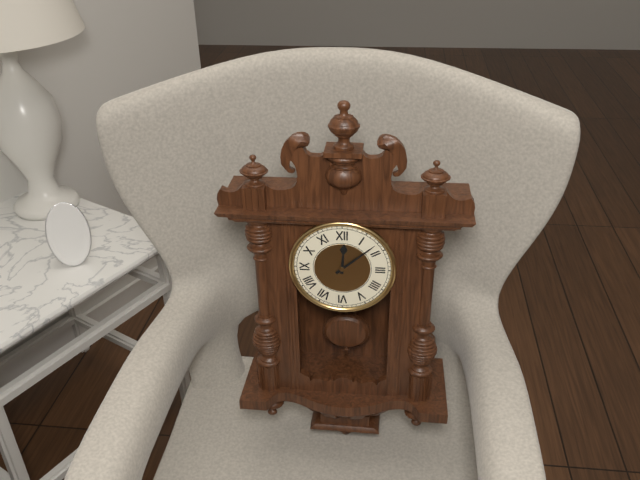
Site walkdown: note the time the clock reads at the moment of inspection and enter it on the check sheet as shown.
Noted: 12:08
